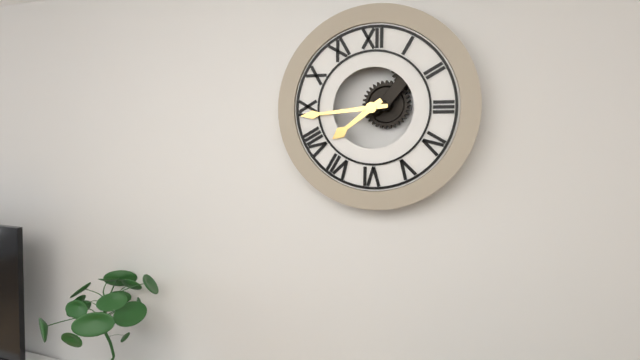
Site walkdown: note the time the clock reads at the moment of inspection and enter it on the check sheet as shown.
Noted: 7:44
